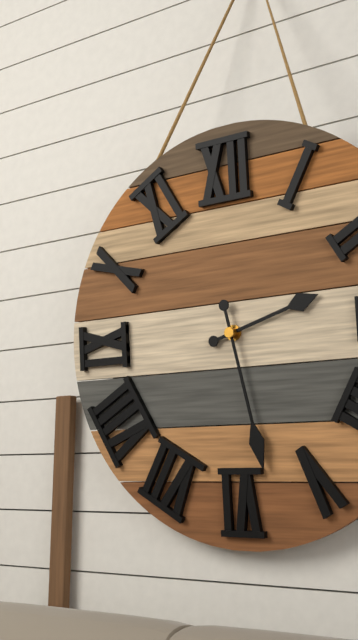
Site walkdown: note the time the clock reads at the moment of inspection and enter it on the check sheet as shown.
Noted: 2:28
